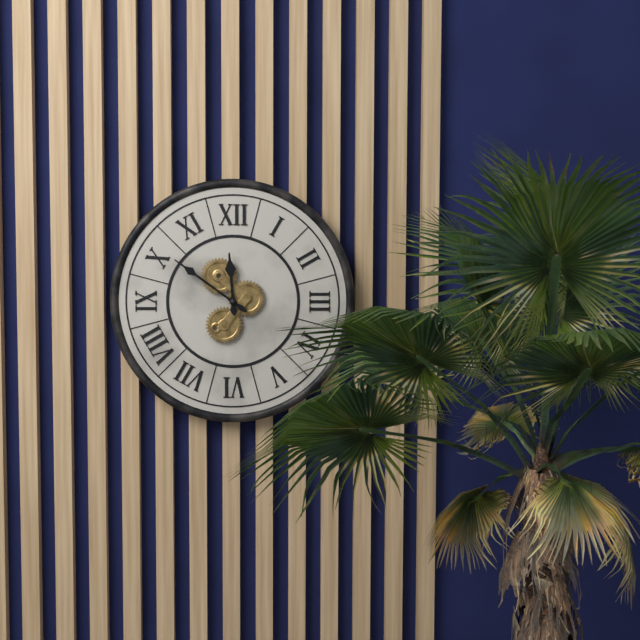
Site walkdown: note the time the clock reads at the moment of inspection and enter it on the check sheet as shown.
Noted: 11:51
